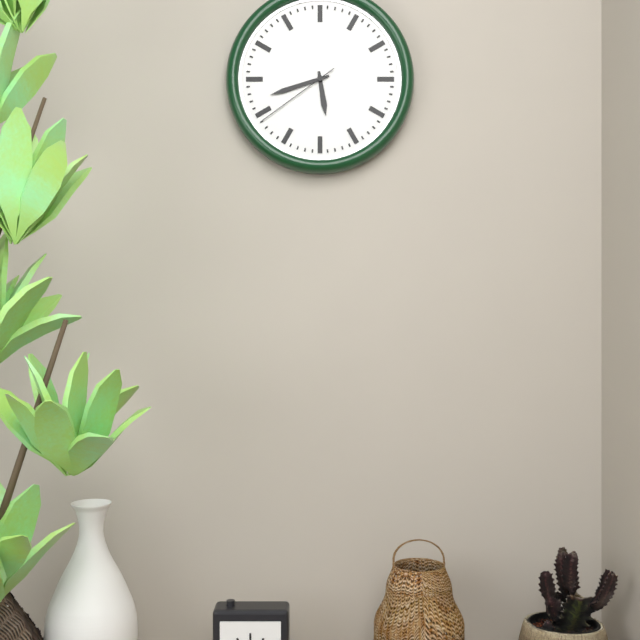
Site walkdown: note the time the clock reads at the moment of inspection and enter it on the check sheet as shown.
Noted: 5:42:39
